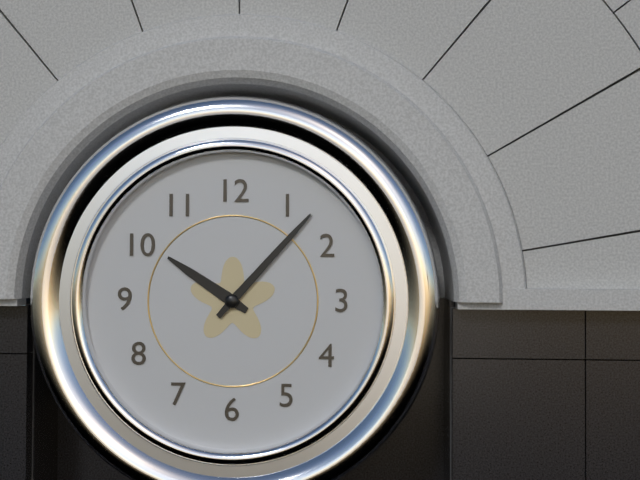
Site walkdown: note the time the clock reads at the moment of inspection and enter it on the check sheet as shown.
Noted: 10:07
